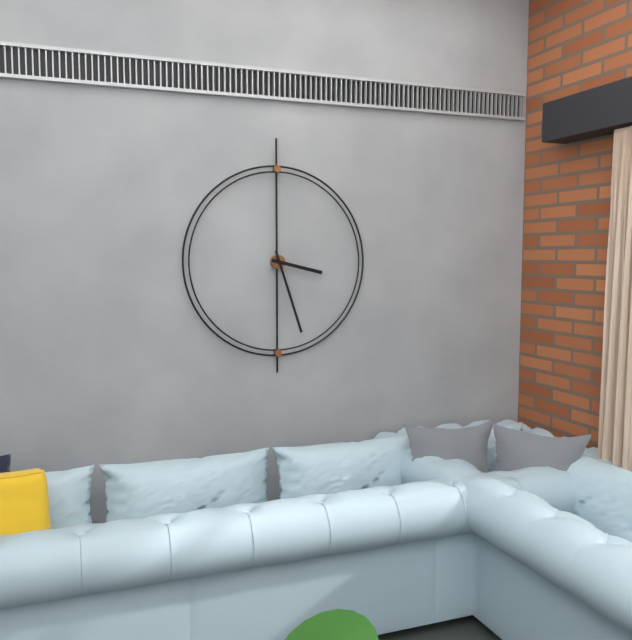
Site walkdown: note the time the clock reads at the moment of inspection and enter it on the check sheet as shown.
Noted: 3:27
